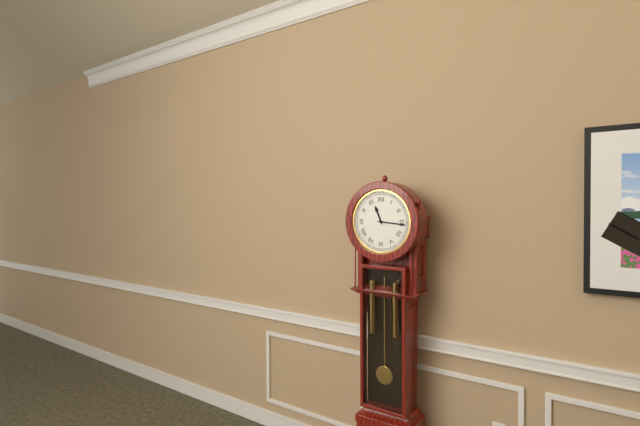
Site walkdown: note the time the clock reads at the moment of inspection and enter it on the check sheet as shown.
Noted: 11:16
